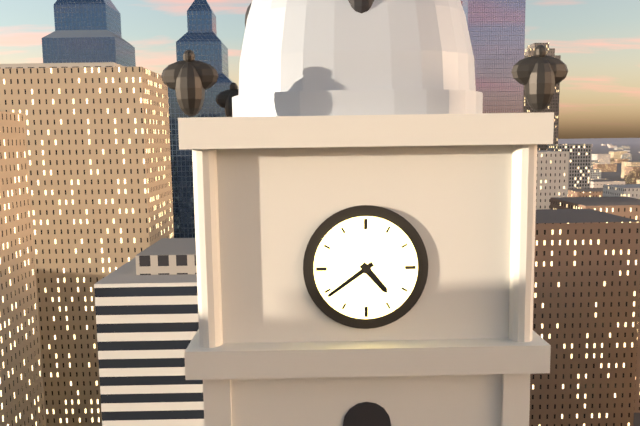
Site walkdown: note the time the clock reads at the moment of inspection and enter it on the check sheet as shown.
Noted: 4:39
